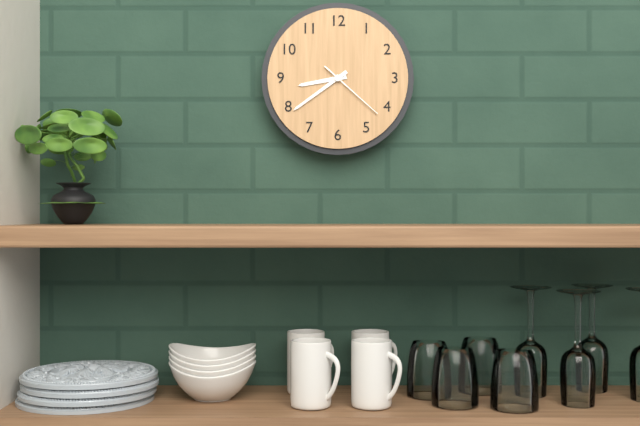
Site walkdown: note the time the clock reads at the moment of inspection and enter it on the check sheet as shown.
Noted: 8:39:22
